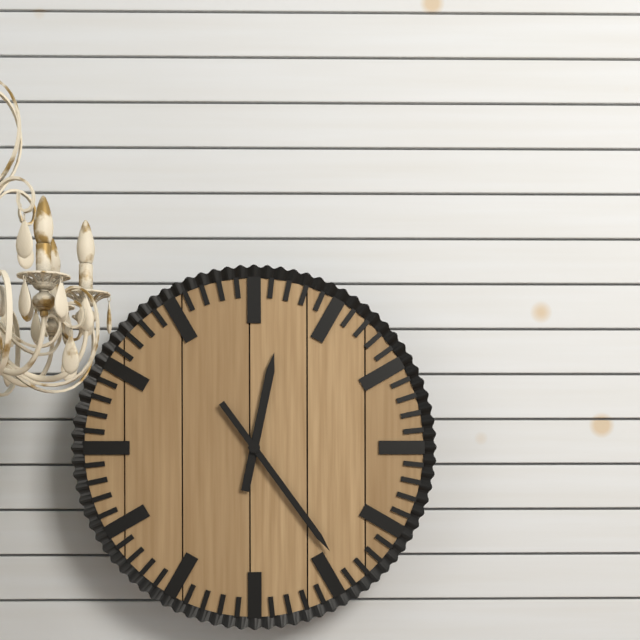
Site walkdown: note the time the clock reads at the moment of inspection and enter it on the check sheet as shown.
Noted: 12:24
